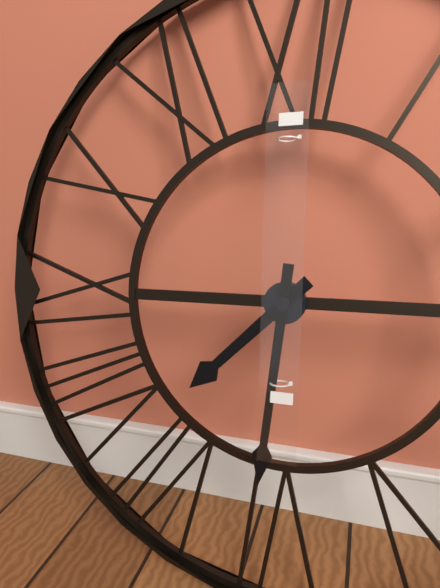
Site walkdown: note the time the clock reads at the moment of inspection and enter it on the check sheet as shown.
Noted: 7:31
